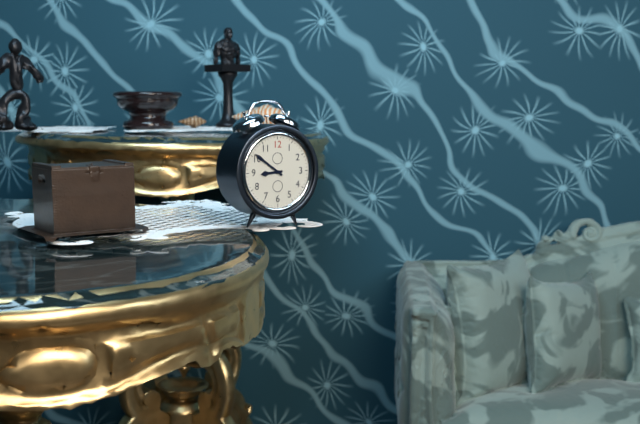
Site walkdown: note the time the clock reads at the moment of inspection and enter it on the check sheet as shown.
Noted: 8:51
